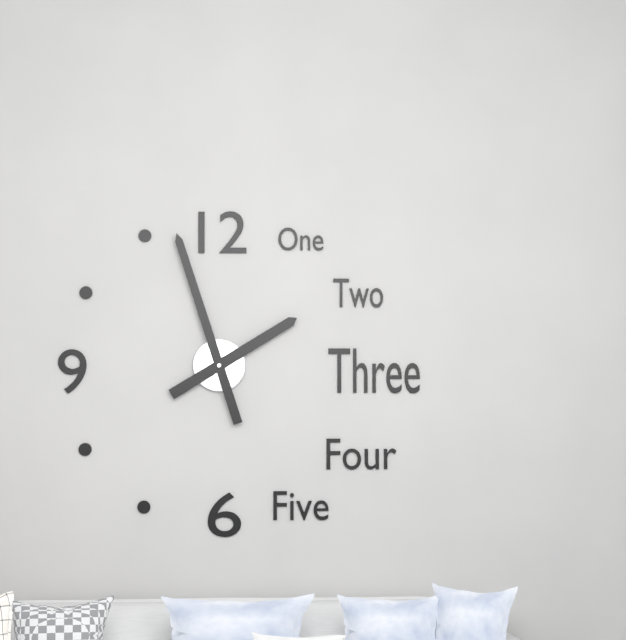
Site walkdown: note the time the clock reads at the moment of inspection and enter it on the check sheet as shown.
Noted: 1:57
